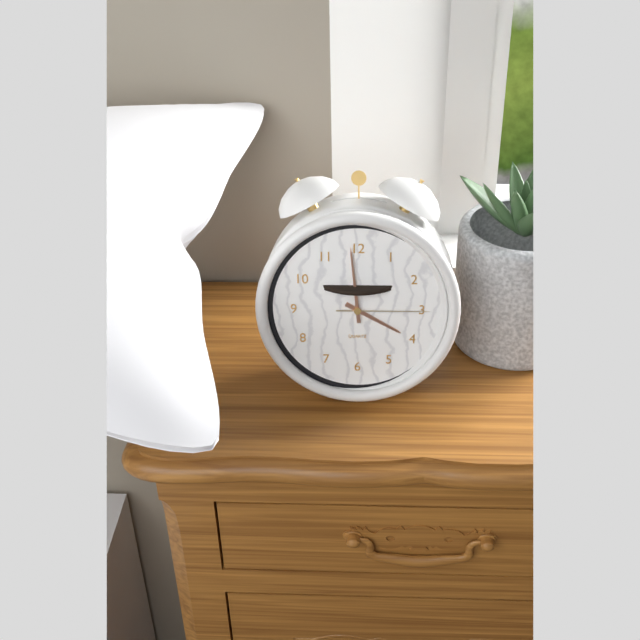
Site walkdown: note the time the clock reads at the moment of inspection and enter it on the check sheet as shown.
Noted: 3:59:15
